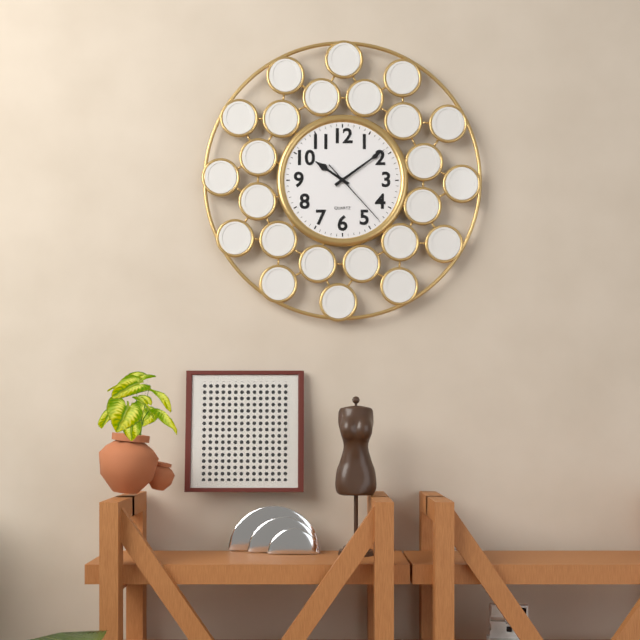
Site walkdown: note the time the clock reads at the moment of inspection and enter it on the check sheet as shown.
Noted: 10:09:23
